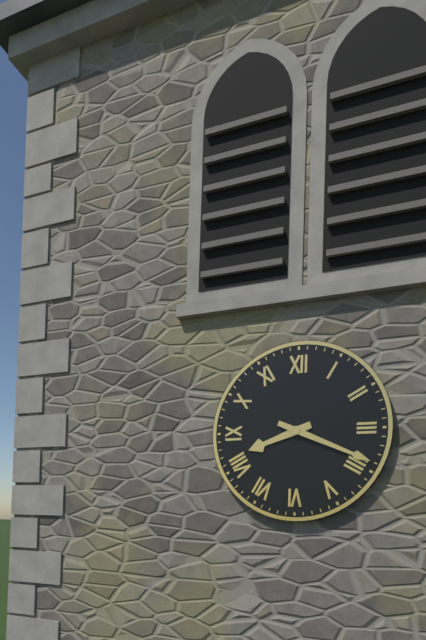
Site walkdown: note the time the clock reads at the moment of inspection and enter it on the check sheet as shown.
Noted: 8:19
